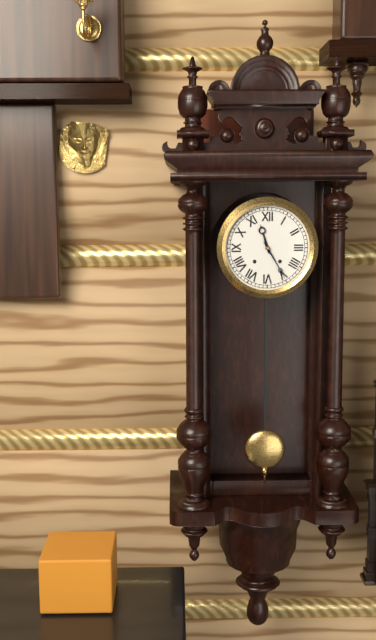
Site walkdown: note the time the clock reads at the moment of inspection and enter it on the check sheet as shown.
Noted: 11:25
